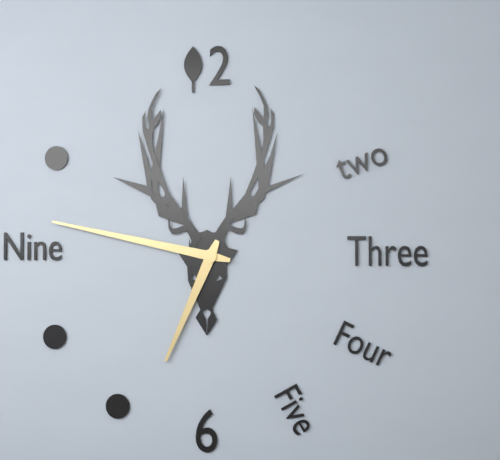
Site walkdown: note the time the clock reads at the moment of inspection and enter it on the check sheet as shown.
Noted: 6:47
